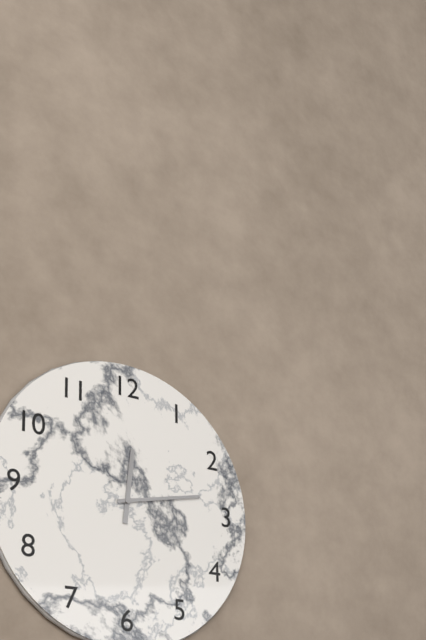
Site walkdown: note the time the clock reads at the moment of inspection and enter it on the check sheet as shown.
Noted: 12:13
